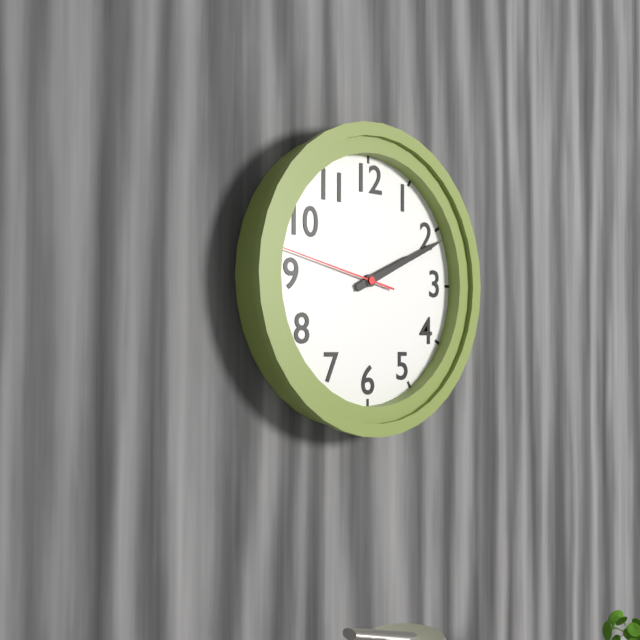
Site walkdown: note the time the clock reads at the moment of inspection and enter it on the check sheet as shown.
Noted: 2:11:47
